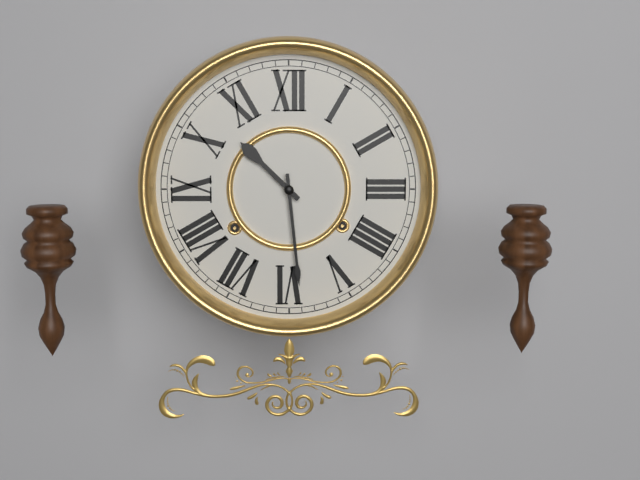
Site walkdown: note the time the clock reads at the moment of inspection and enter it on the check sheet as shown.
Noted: 10:29
